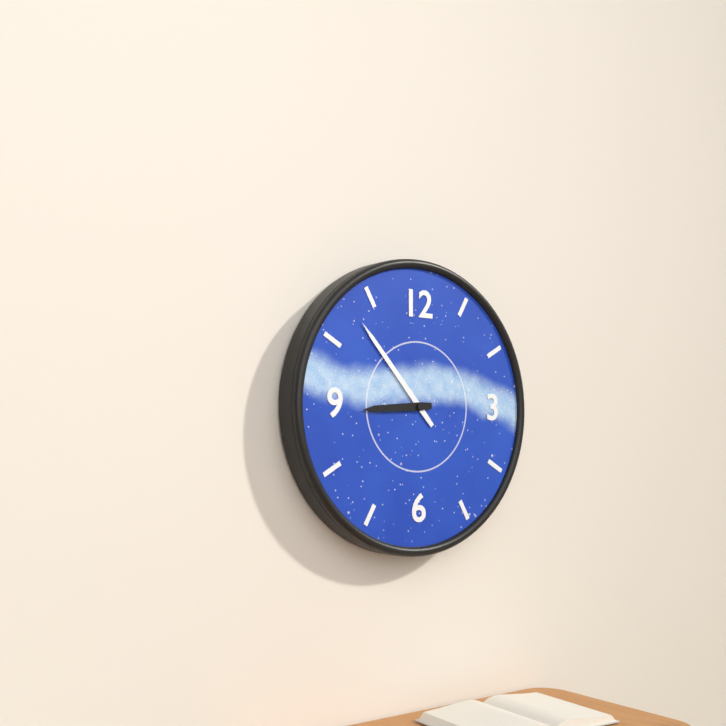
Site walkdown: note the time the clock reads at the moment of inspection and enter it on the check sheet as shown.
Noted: 8:53
